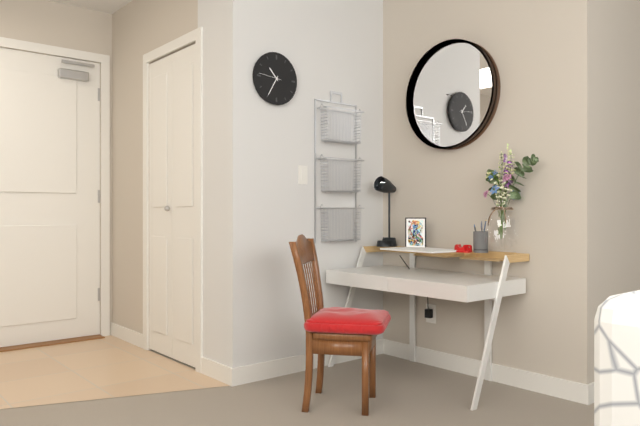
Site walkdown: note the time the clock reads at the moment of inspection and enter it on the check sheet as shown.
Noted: 10:35
